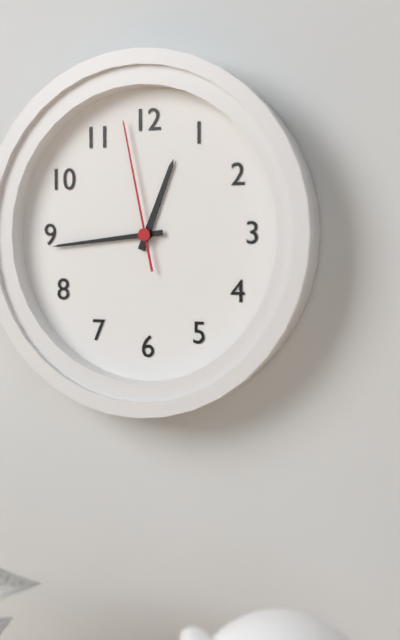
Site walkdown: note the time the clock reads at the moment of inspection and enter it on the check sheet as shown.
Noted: 12:44:58
